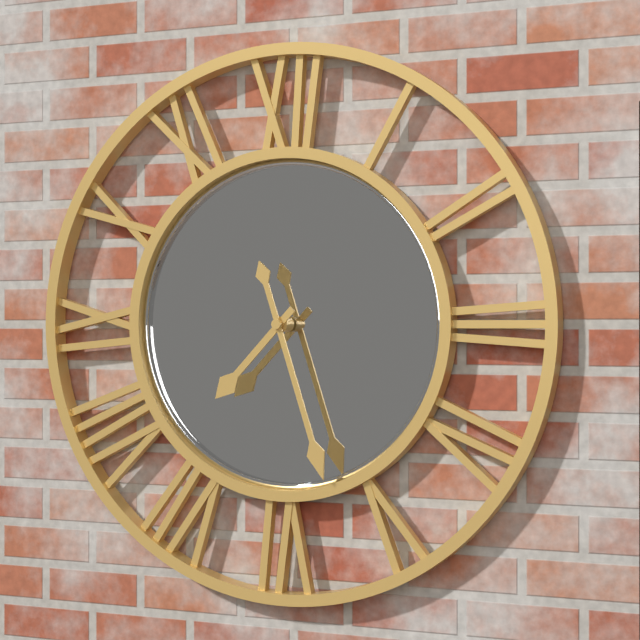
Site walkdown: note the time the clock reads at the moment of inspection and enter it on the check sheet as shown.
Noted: 7:27
